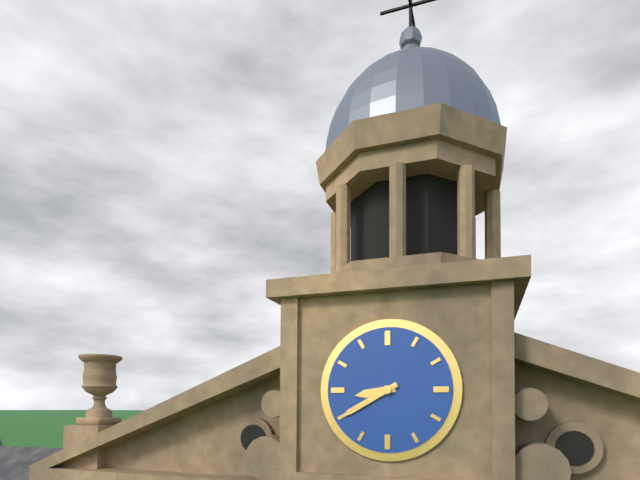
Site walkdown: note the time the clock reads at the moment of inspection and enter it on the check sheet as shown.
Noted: 8:40
